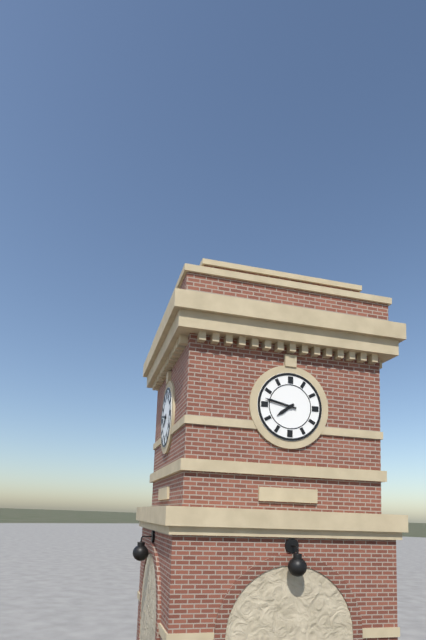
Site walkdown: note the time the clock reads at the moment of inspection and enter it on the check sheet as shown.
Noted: 7:47
